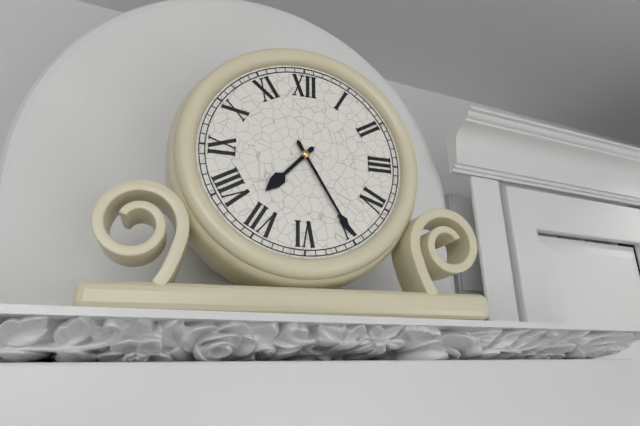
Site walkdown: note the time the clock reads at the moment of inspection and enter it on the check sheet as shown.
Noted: 7:25
